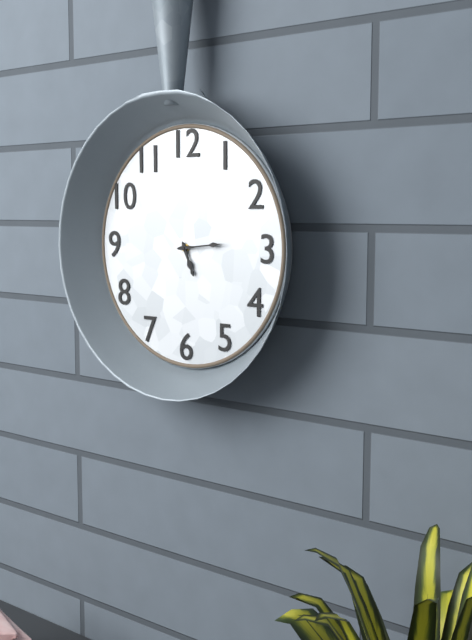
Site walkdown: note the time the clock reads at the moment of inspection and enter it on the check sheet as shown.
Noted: 5:14
